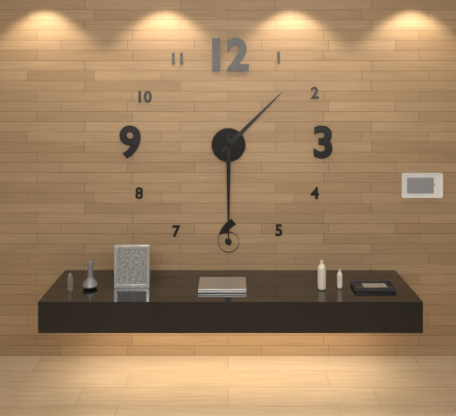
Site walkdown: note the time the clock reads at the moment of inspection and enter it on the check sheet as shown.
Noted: 1:30
